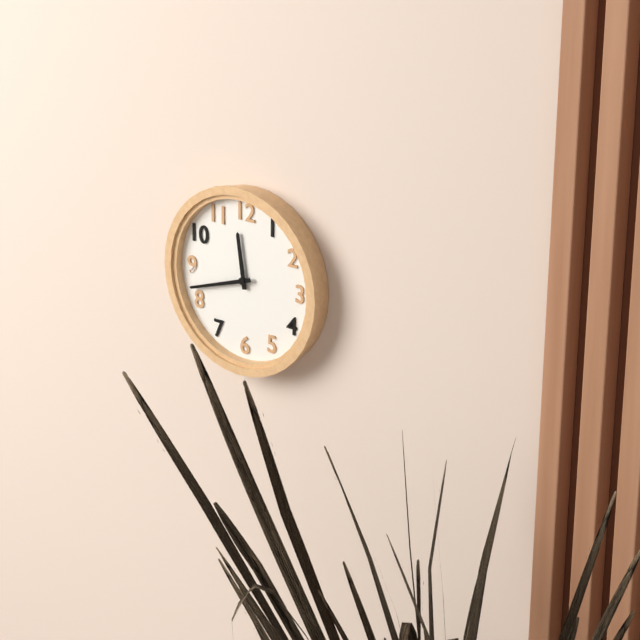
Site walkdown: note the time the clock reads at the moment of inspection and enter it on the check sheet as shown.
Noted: 11:42
